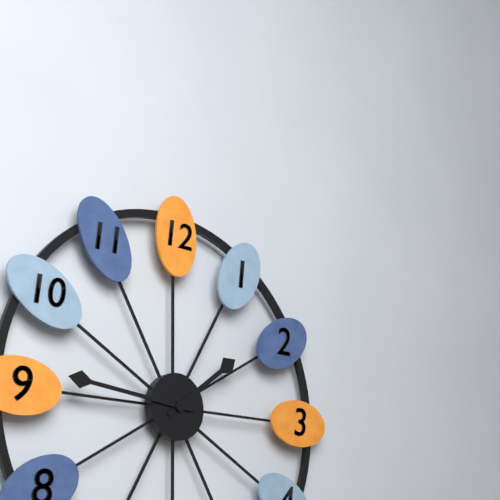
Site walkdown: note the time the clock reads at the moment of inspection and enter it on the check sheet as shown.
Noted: 1:46
